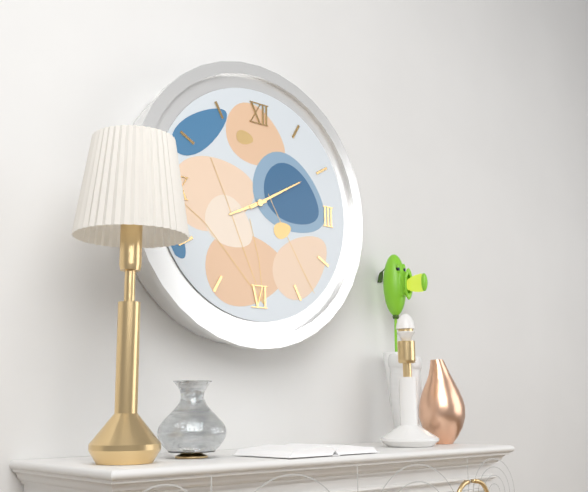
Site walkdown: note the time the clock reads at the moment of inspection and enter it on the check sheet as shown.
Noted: 8:10
